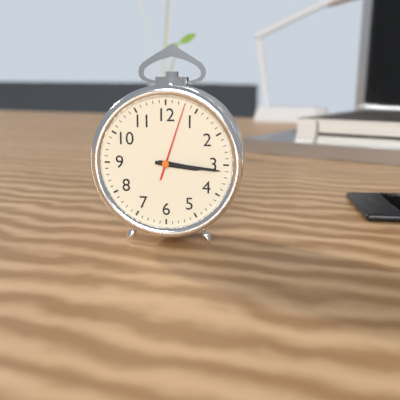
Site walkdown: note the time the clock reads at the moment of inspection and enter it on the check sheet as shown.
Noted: 3:16:03
